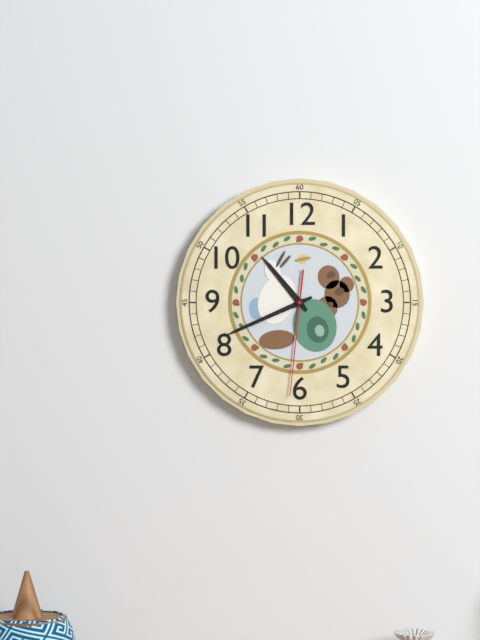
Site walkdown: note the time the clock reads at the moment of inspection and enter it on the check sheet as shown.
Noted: 10:41:31
